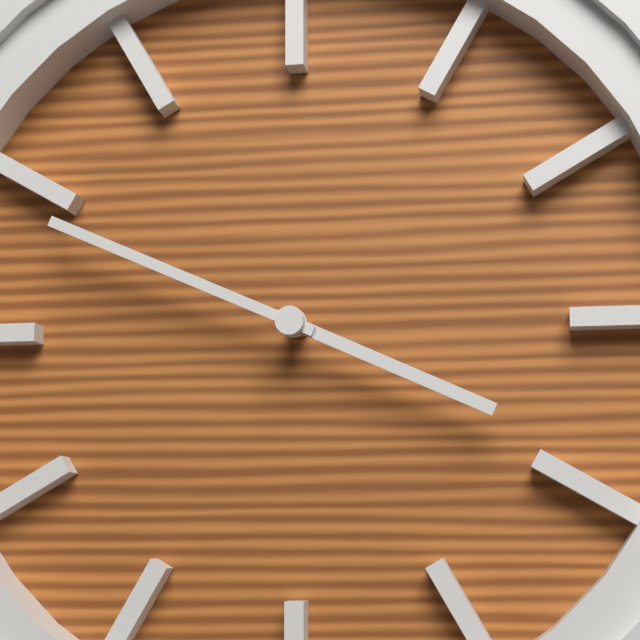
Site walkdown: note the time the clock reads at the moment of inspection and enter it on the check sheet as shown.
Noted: 3:49
